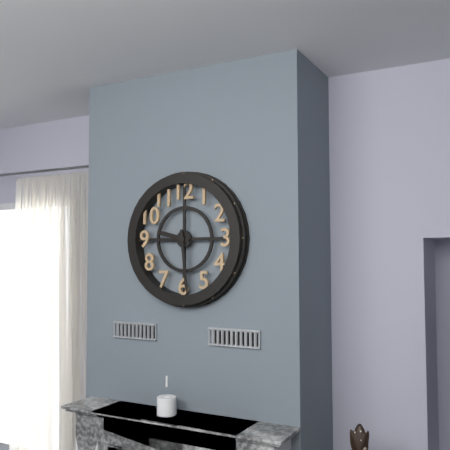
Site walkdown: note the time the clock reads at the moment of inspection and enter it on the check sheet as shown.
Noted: 9:29
